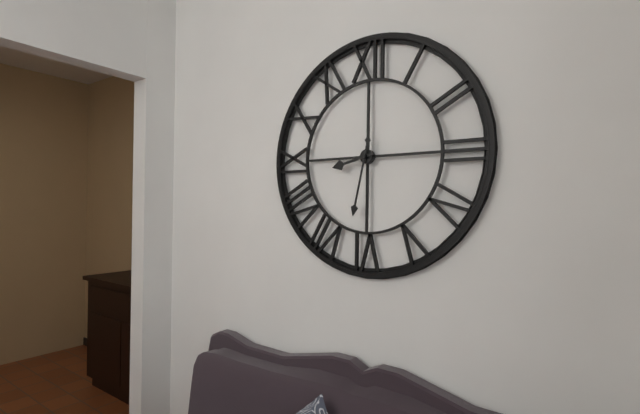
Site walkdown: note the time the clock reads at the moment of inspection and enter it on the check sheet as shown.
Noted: 8:32
